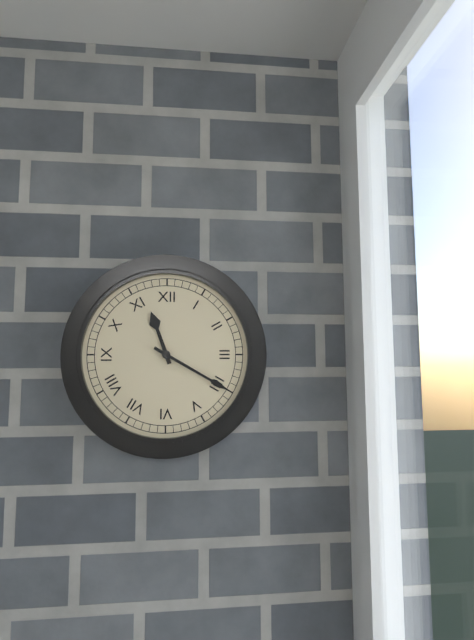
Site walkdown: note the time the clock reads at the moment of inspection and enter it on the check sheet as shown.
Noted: 11:20
